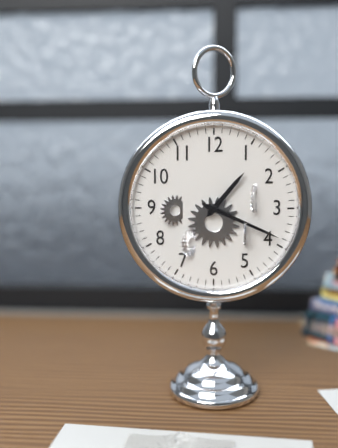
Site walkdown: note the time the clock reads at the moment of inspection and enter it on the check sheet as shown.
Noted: 1:19
